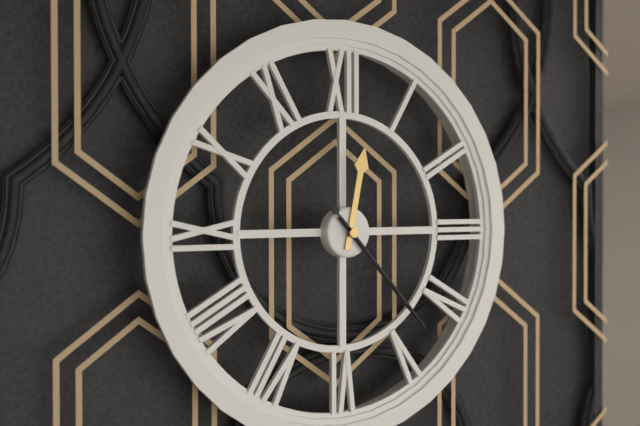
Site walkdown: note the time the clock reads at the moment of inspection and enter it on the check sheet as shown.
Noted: 12:23:23
